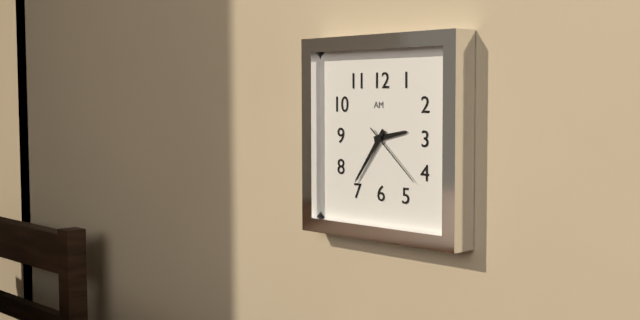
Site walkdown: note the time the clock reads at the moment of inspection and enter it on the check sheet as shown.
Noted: 2:36:22
